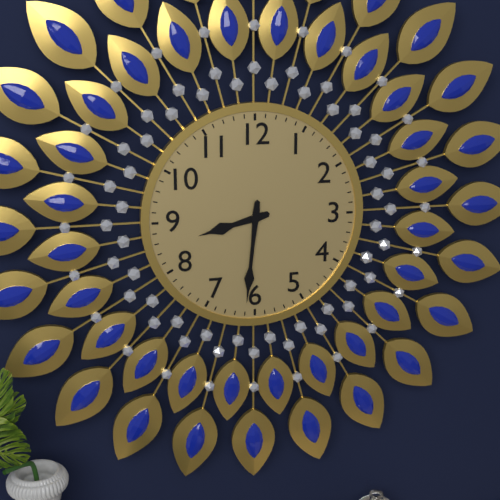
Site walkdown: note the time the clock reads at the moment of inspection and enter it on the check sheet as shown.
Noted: 8:31
